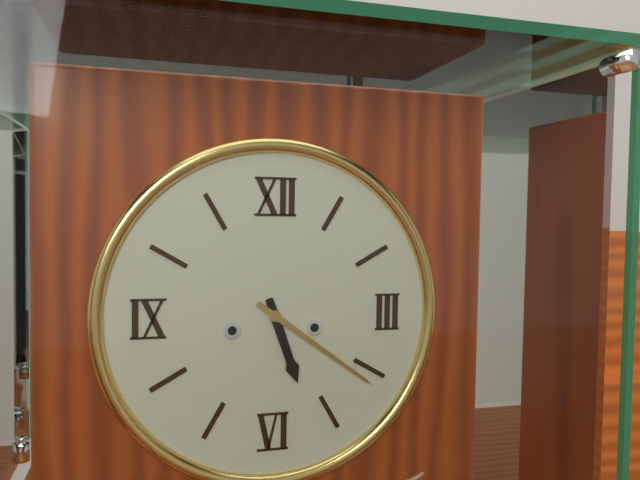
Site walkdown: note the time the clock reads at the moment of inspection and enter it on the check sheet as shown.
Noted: 5:21
